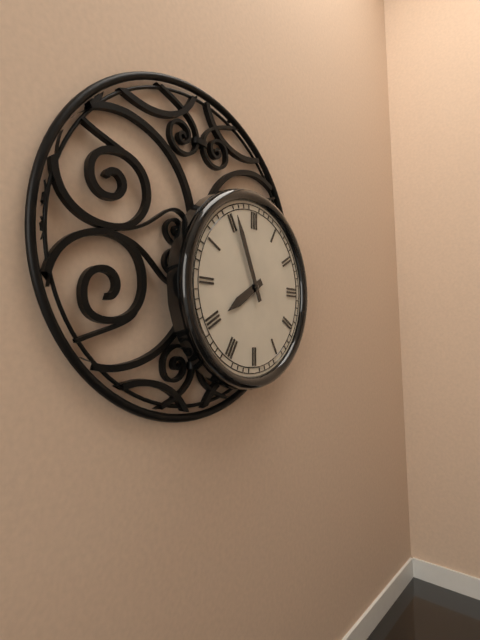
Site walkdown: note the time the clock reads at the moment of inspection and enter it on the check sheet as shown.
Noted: 7:56
